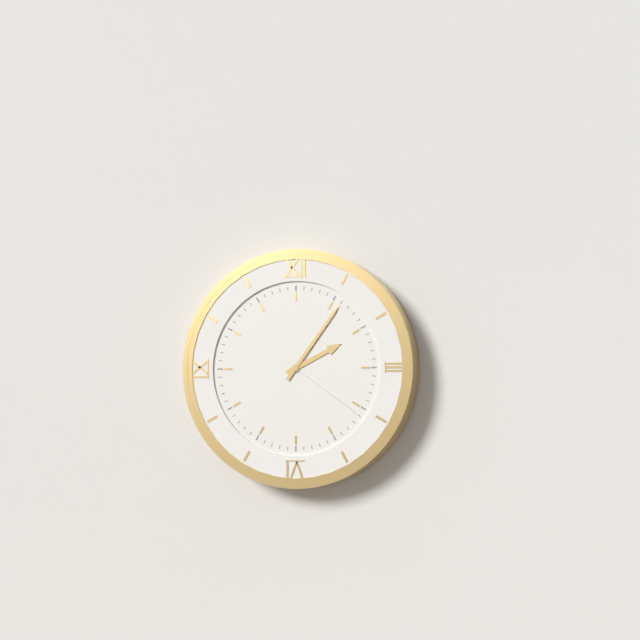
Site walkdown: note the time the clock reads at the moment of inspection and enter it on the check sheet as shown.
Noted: 2:06:21
